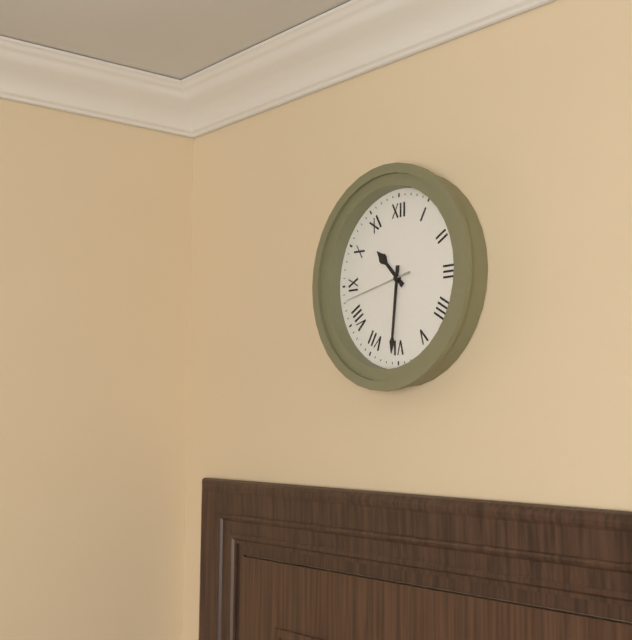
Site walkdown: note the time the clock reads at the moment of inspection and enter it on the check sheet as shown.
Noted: 10:31:43
